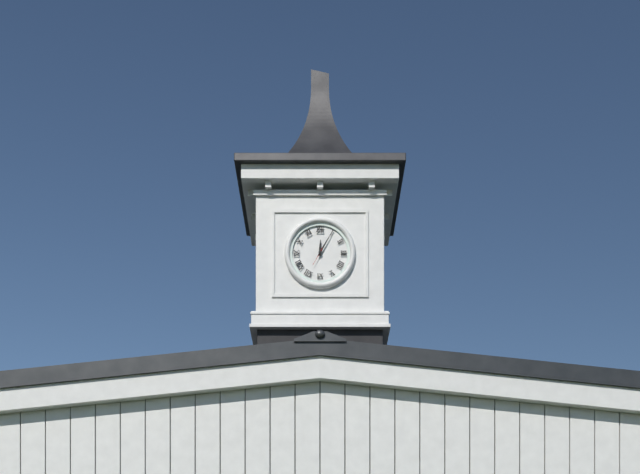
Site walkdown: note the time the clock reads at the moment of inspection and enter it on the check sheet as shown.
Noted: 12:05
